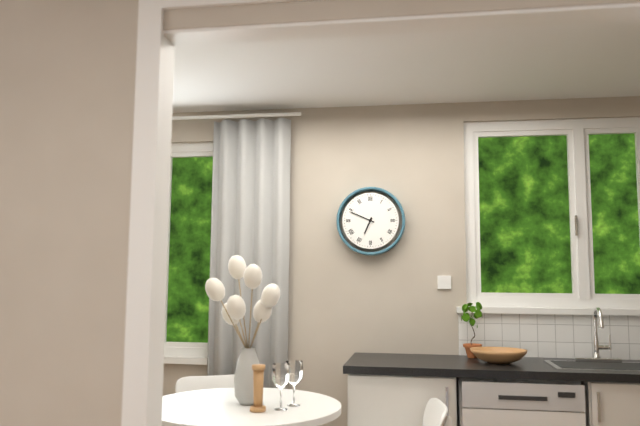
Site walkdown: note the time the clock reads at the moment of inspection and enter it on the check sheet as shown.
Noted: 6:49
